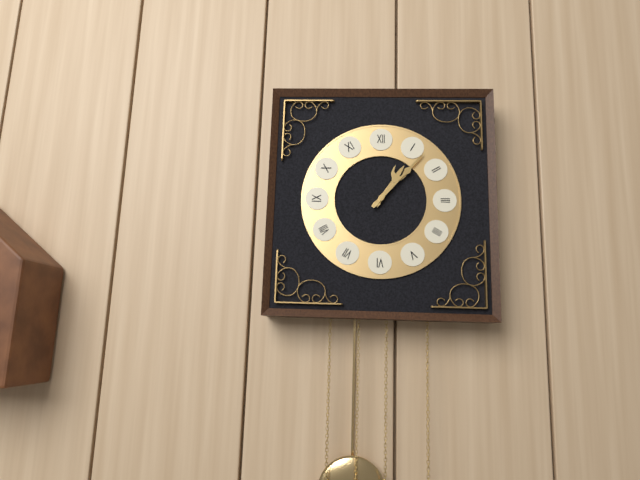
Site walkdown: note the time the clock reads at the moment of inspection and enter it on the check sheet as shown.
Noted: 1:07
